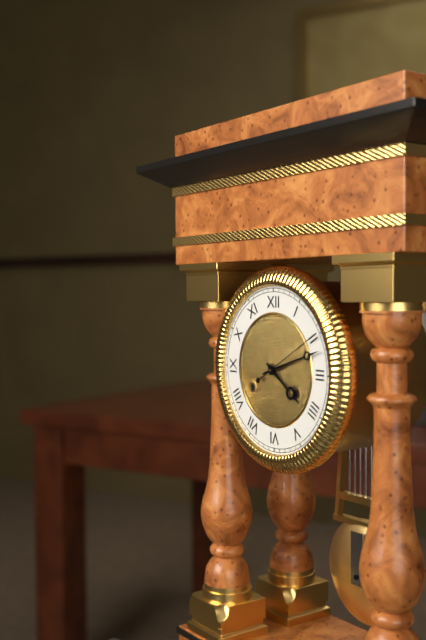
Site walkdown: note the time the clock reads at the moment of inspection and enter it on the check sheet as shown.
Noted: 4:12:10
